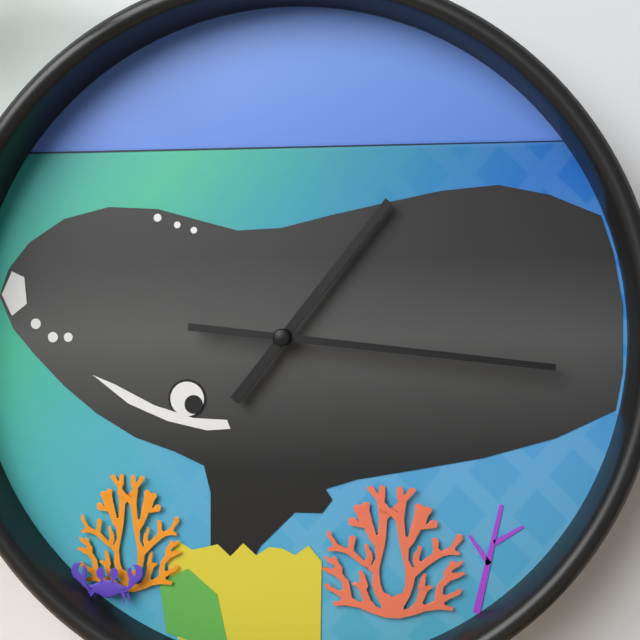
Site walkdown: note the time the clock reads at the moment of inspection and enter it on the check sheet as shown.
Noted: 1:16
